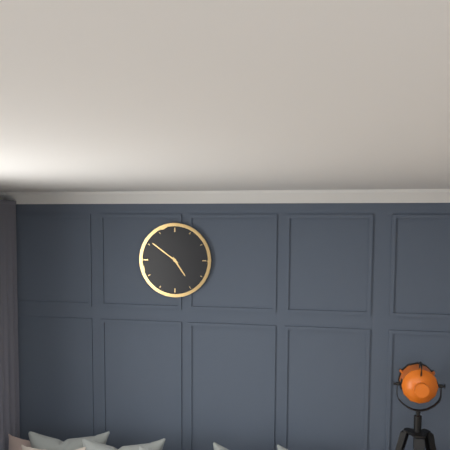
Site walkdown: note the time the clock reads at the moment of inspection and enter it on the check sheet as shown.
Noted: 4:51
